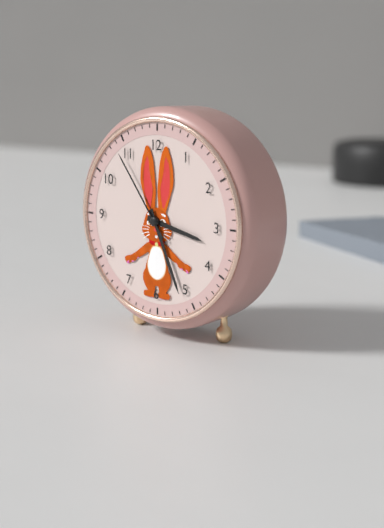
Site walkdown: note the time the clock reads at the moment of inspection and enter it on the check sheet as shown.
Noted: 3:26:54
